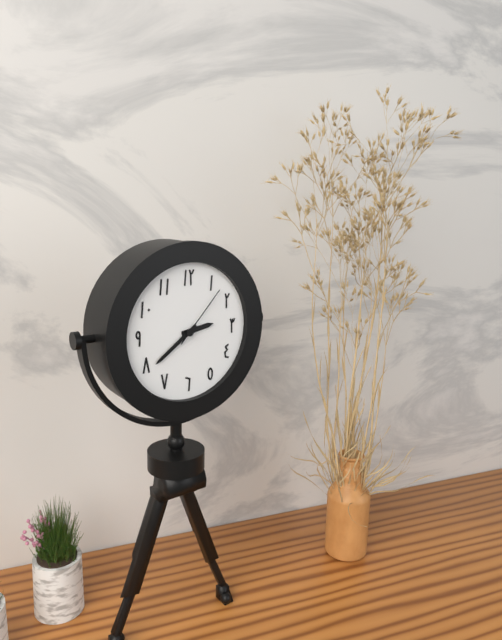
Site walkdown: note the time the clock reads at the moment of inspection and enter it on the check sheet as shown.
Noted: 2:39:07
